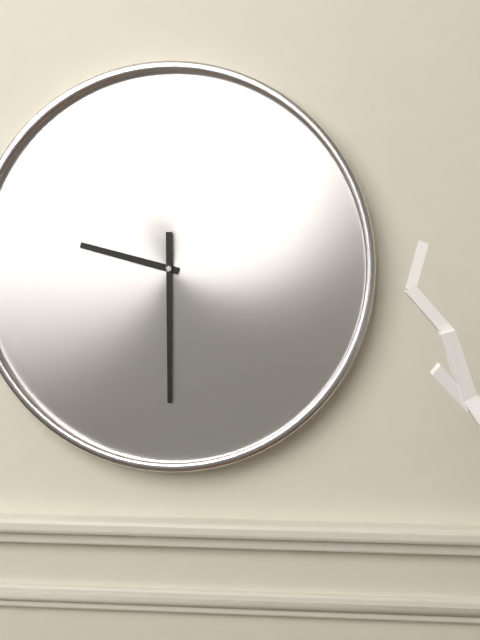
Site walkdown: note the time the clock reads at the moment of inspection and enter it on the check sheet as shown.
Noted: 9:30
